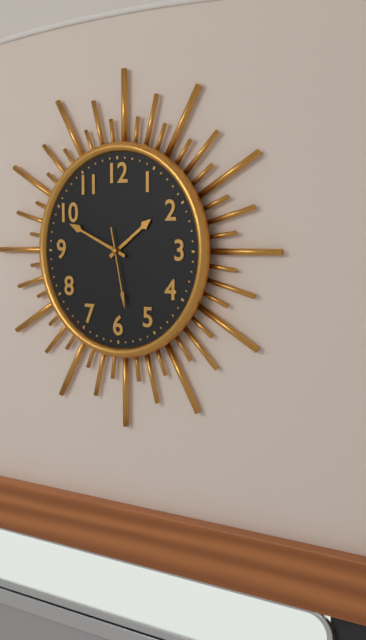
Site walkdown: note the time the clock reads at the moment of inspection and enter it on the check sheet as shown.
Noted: 1:49:28
